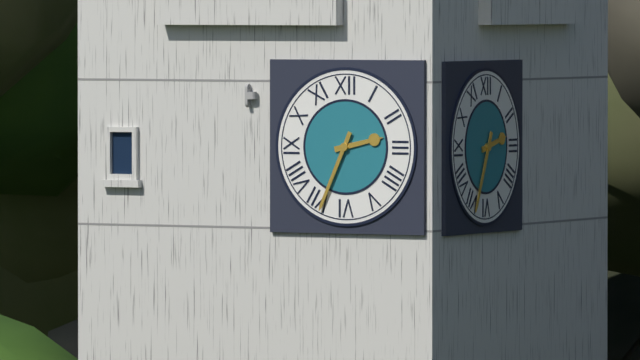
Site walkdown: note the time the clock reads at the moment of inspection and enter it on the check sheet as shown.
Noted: 2:34
